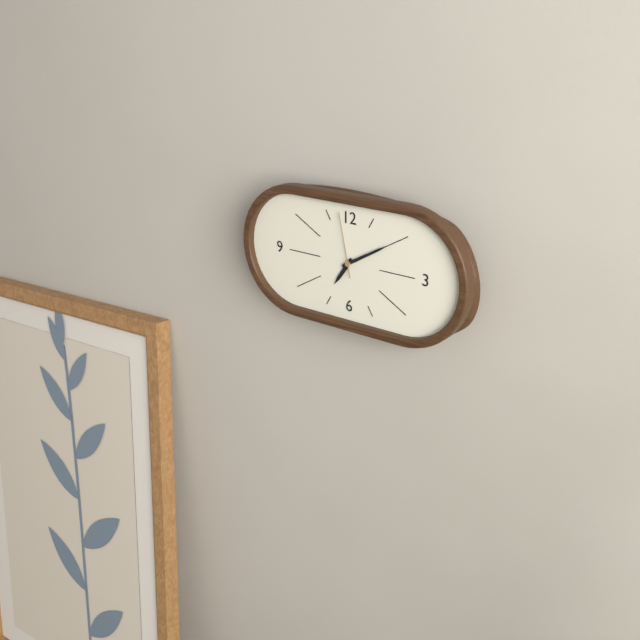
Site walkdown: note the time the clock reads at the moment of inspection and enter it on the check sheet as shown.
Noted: 7:10:58
